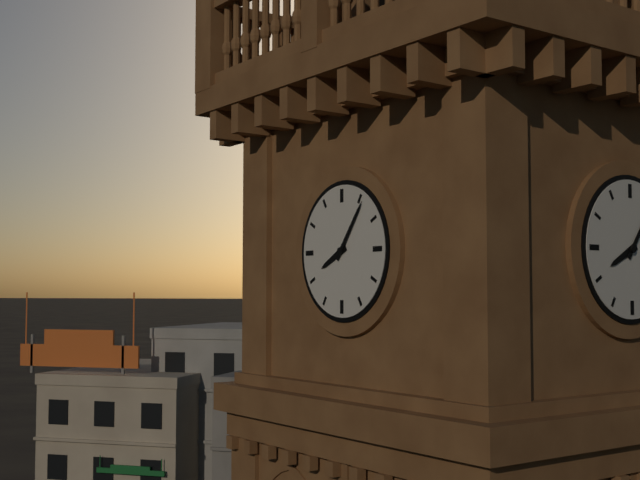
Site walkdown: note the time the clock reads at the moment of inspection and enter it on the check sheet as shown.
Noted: 8:06
